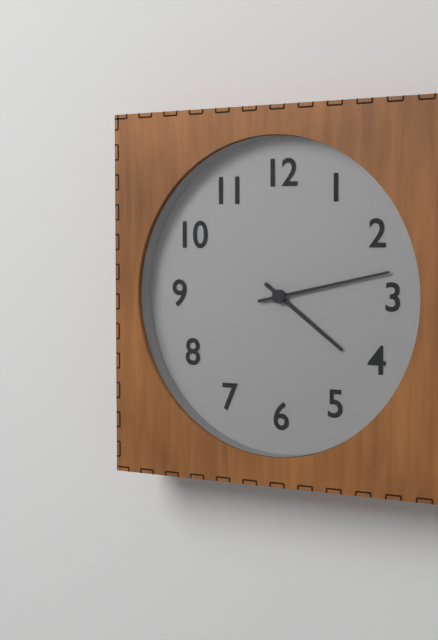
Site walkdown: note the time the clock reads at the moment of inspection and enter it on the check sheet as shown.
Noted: 4:13
